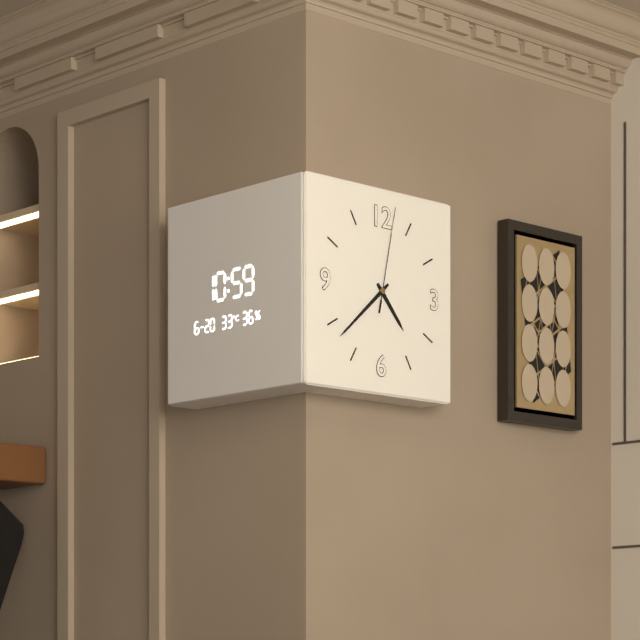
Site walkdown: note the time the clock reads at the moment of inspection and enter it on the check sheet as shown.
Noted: 4:38:02
